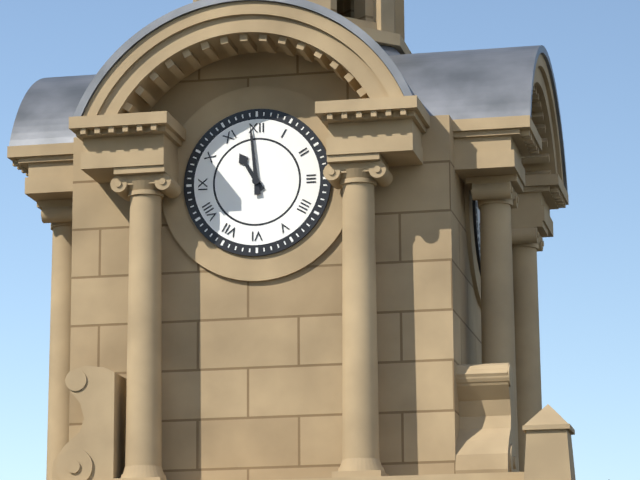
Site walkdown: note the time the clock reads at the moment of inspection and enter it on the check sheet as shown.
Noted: 10:59
